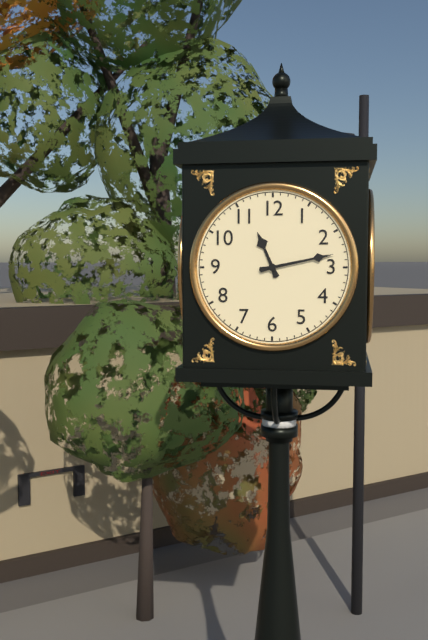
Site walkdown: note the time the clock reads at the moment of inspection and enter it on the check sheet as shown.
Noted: 11:13
